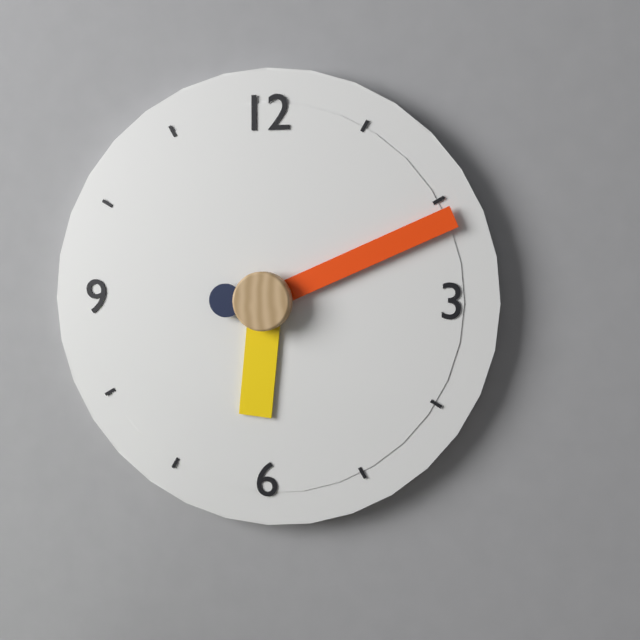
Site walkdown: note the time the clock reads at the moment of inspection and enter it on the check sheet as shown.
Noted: 6:11:45
